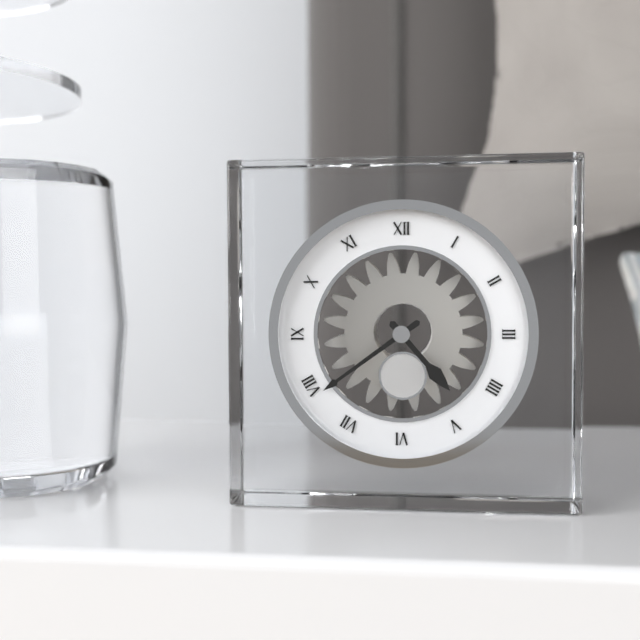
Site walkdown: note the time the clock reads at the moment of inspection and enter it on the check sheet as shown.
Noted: 4:39
